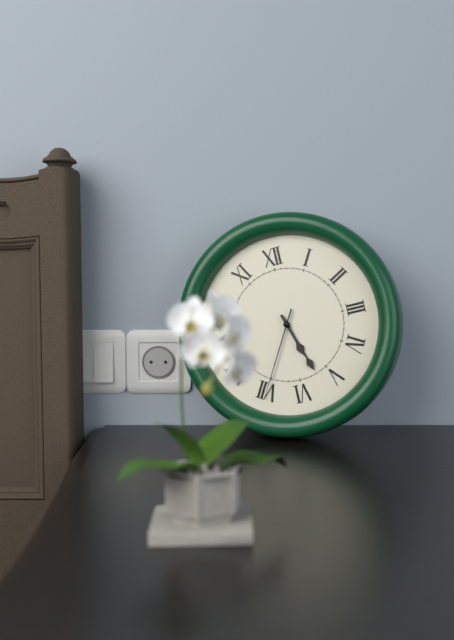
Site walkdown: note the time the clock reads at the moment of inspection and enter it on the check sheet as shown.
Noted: 5:27:35
